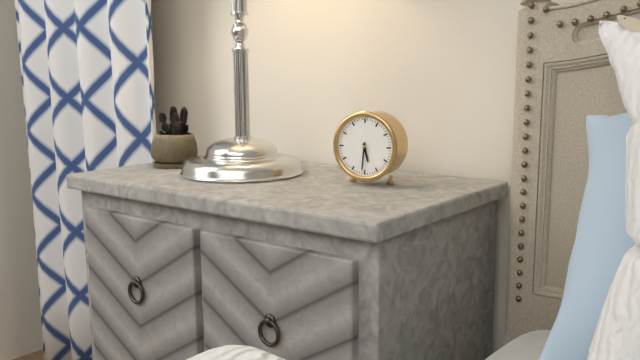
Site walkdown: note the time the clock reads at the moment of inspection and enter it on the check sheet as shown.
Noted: 5:31
